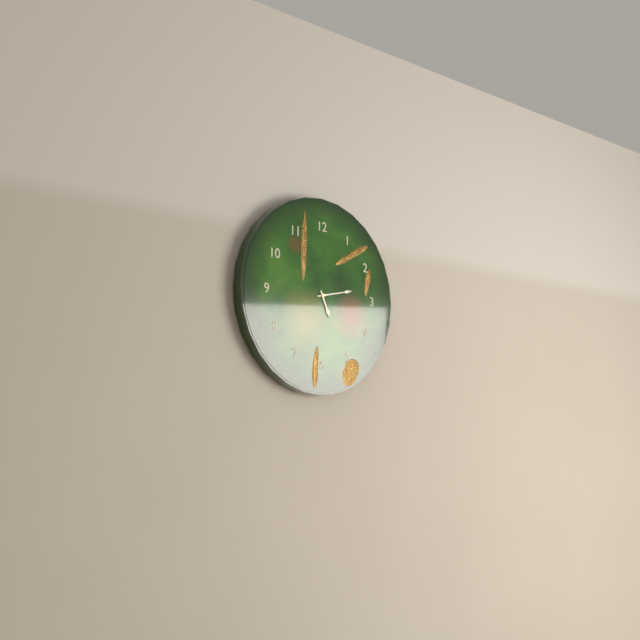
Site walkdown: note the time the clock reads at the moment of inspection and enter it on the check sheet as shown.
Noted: 5:13
